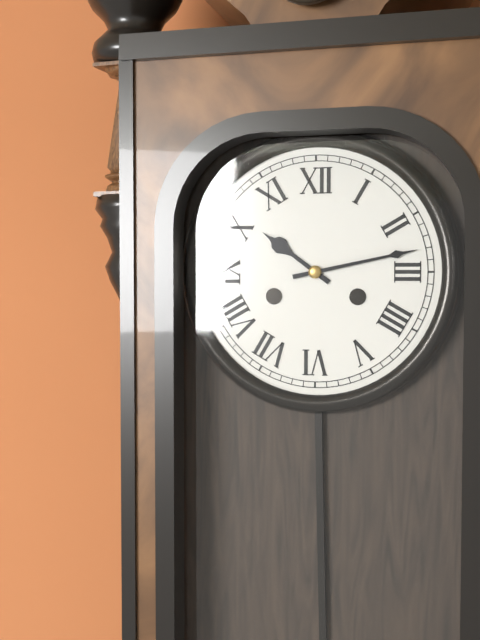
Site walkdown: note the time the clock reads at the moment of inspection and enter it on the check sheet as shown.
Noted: 10:13
